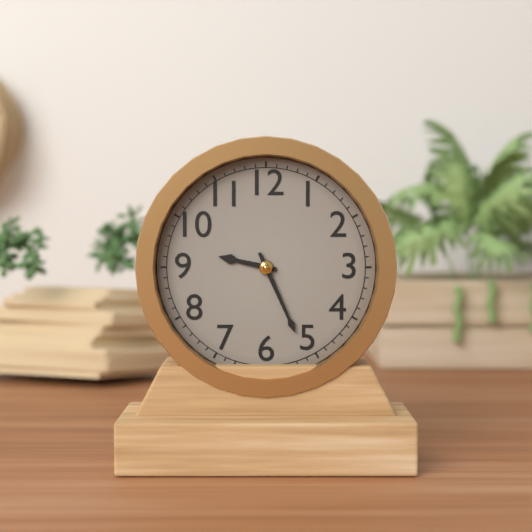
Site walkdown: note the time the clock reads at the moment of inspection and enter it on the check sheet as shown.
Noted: 9:26
